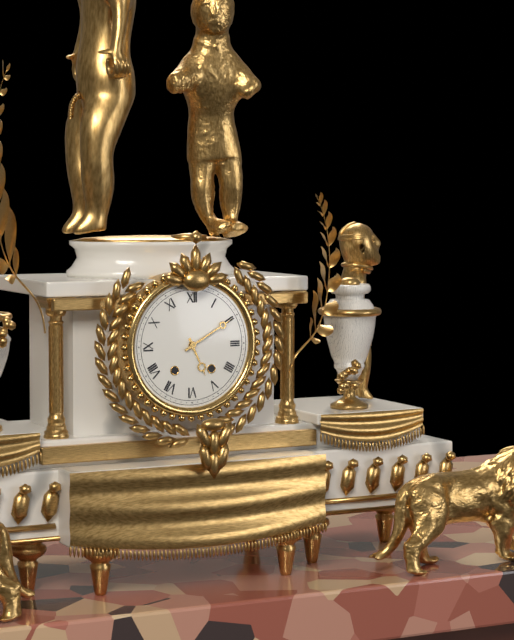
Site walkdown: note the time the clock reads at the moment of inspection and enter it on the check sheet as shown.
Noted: 5:10
